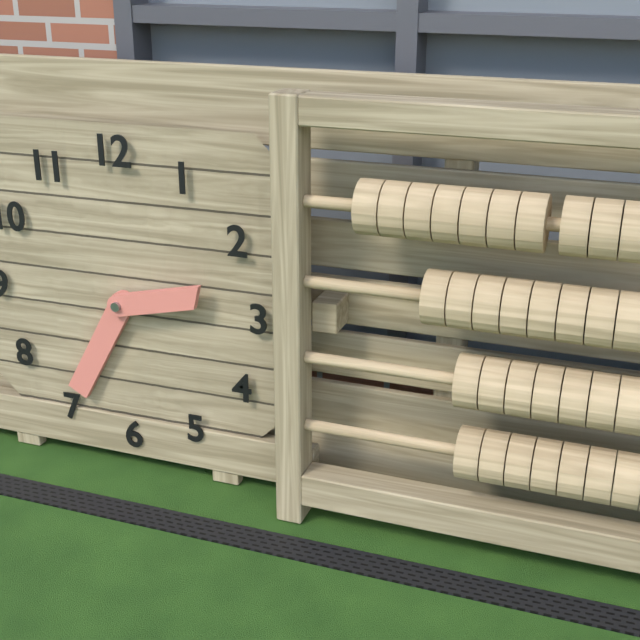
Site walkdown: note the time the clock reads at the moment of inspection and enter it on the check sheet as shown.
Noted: 2:35
